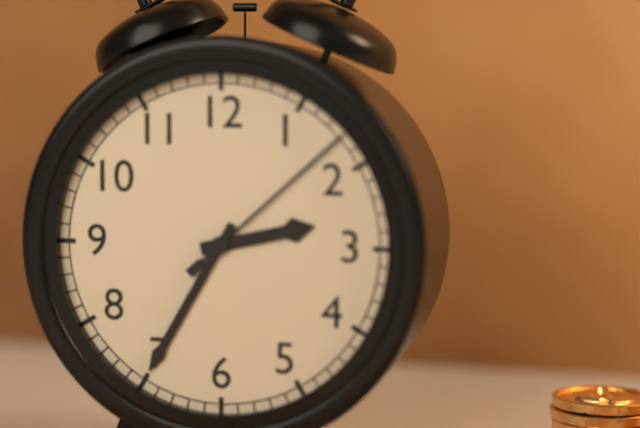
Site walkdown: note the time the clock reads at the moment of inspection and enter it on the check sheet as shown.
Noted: 2:35:08
